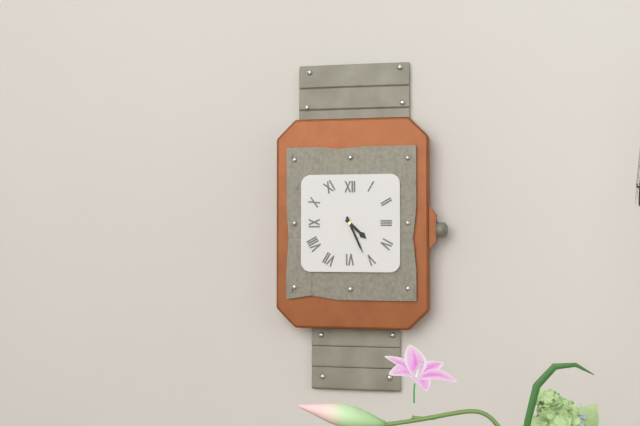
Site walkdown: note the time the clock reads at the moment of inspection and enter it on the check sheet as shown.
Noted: 4:26
